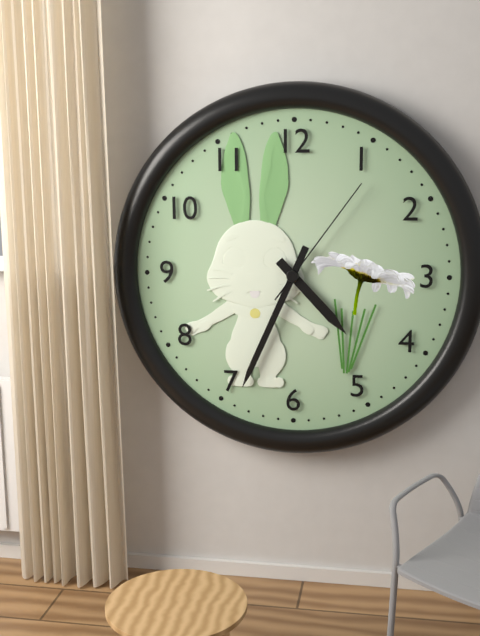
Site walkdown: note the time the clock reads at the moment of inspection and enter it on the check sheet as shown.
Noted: 4:34:06
